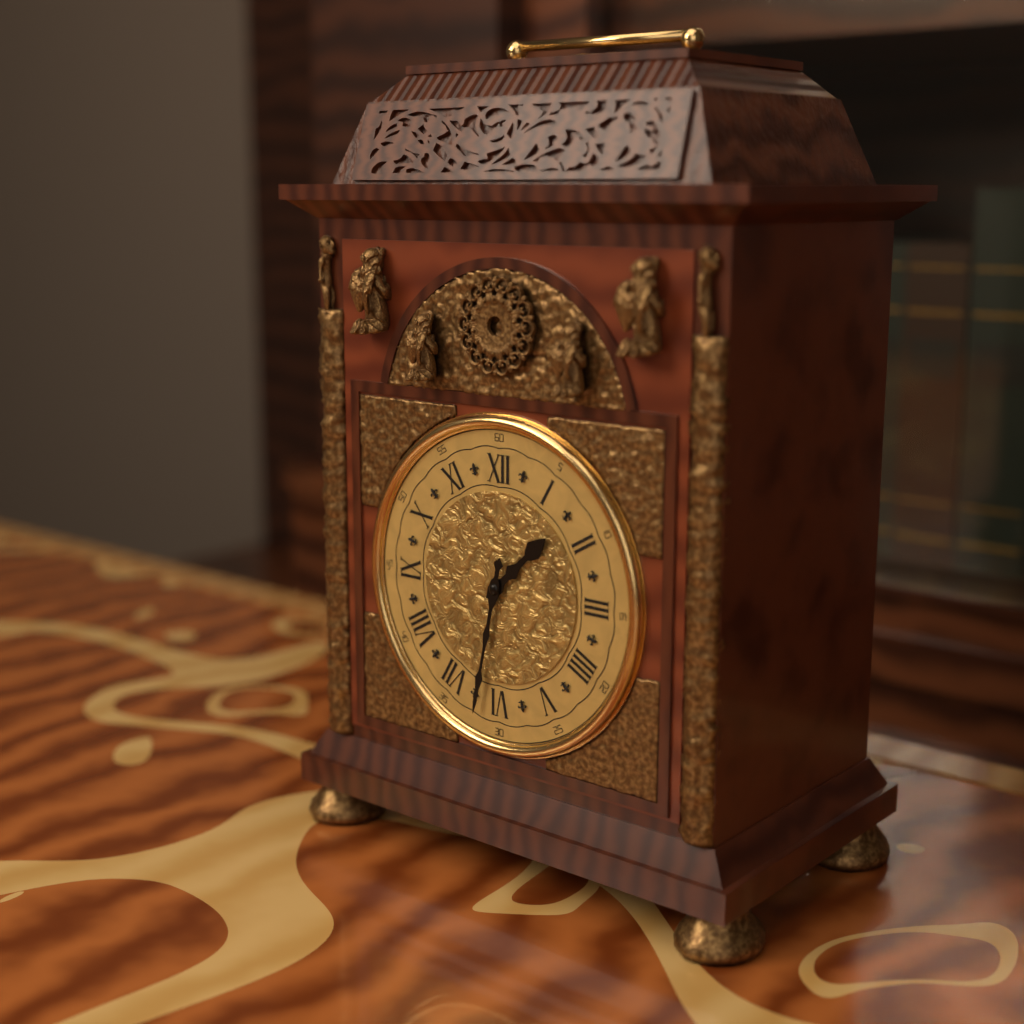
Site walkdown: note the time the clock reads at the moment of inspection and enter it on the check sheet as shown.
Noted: 1:32
